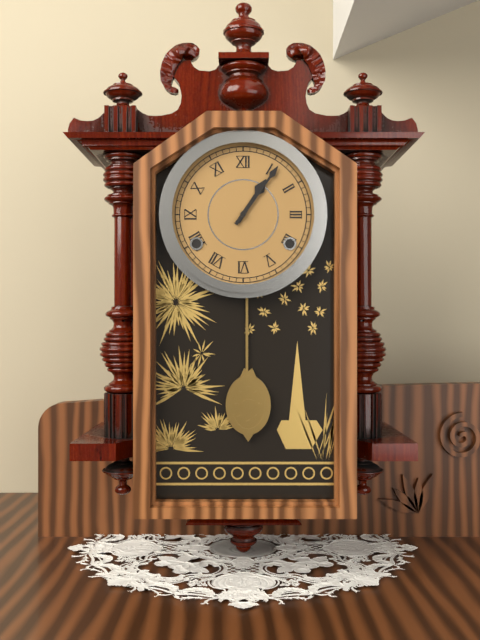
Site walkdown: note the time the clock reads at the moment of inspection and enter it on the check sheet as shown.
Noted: 1:06
